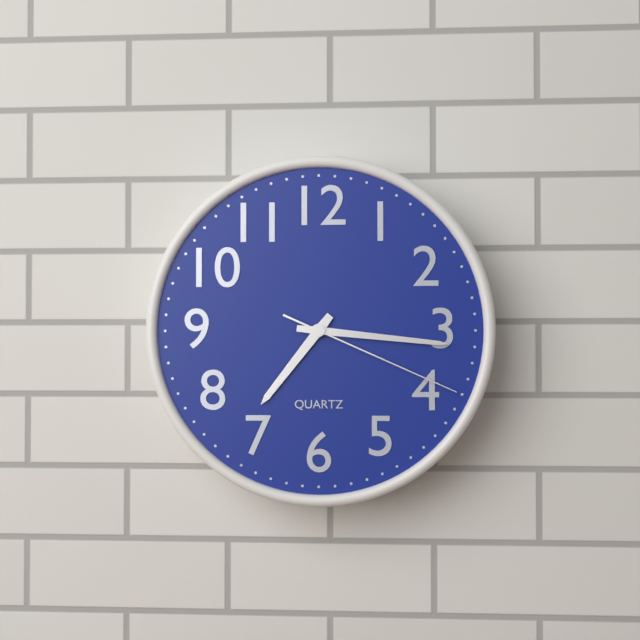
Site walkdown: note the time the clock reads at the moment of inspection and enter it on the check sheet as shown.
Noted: 7:16:19
